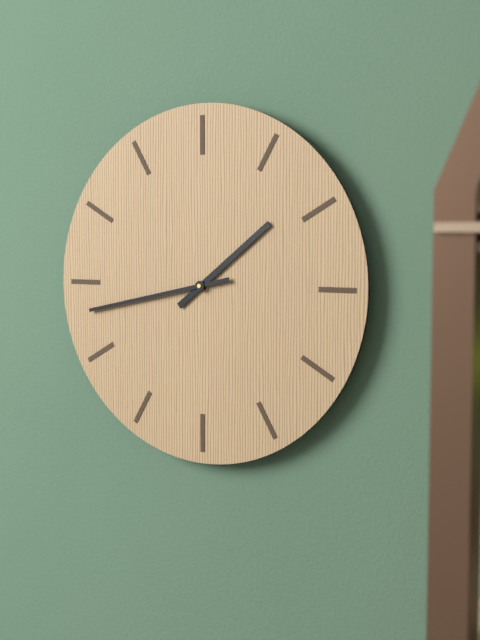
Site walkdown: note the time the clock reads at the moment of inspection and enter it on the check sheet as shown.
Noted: 1:43
